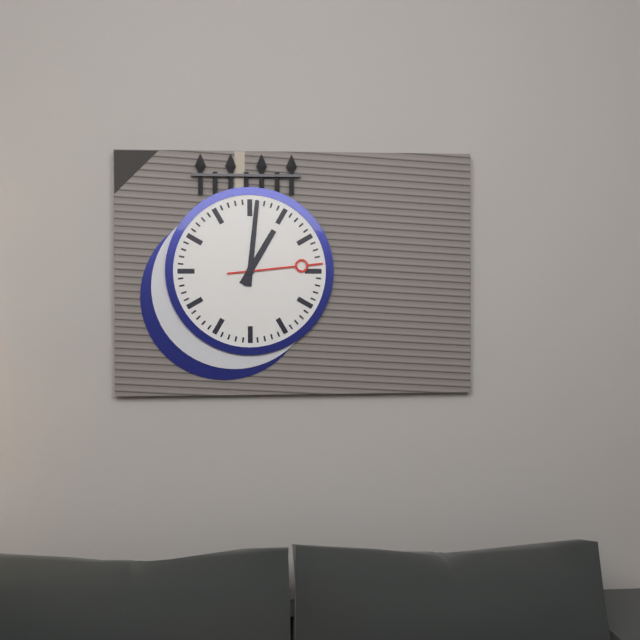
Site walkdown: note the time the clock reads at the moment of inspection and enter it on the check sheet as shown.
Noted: 1:01:14
